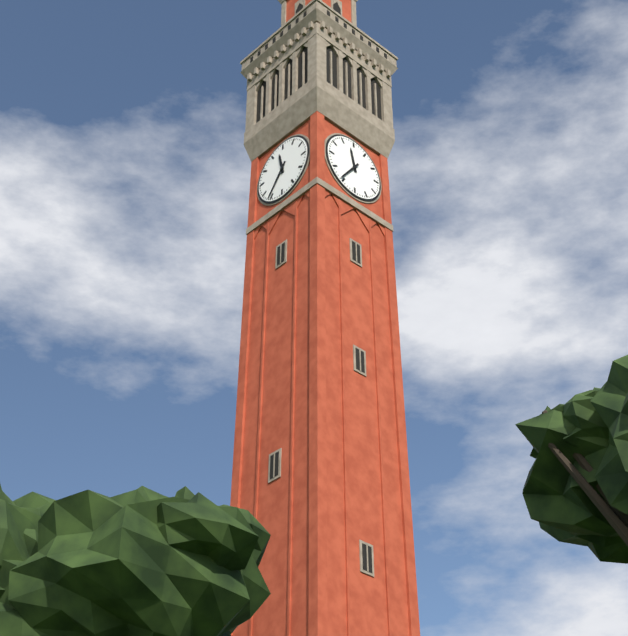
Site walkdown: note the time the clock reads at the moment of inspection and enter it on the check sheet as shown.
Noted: 11:36
